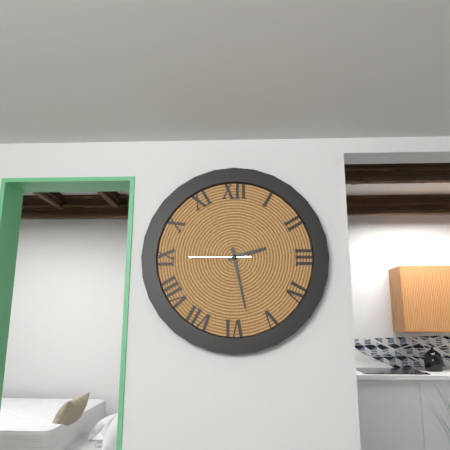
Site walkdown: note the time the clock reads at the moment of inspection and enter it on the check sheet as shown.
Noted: 2:28:45
